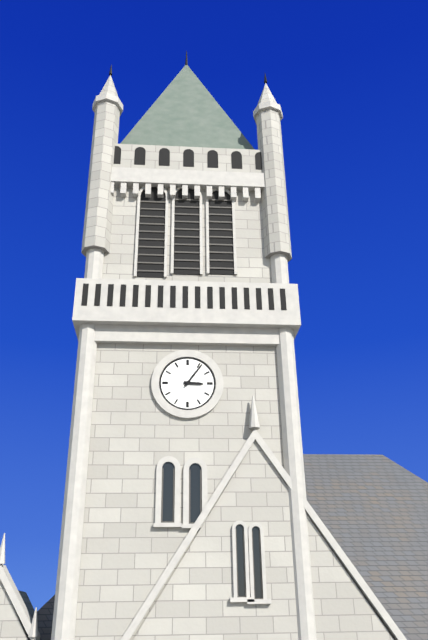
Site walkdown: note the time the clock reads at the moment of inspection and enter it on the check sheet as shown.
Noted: 3:06
